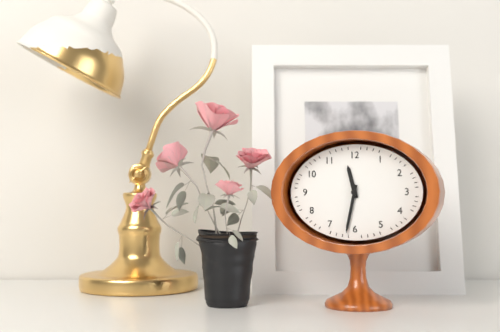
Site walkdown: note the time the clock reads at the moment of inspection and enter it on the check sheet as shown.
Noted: 11:32
